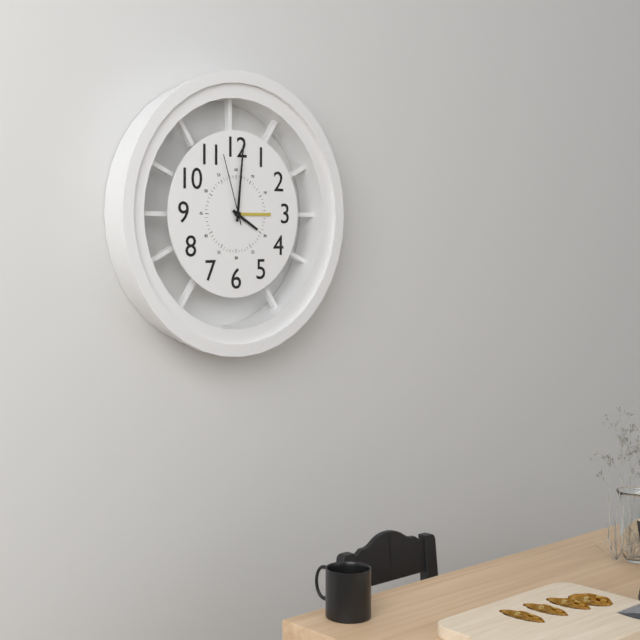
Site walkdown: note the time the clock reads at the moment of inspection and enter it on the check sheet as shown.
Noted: 4:01:57
